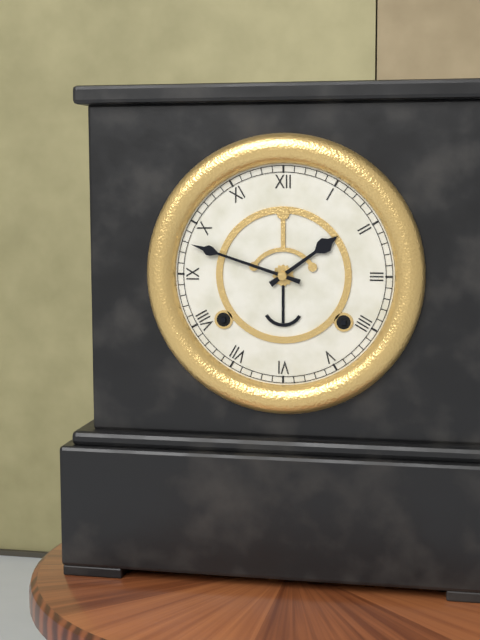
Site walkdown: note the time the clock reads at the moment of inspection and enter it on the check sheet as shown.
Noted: 1:48
